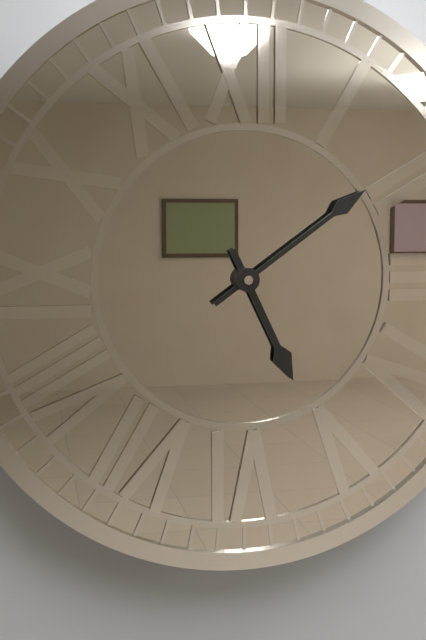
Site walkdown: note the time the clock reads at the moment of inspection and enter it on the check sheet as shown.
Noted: 5:09
